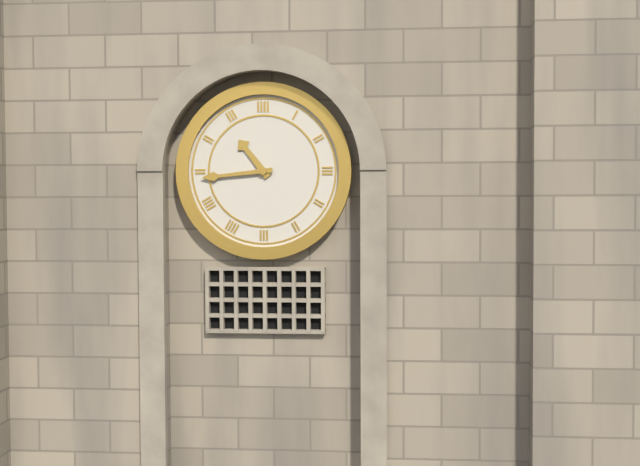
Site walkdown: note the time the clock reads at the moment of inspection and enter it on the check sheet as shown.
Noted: 10:44
